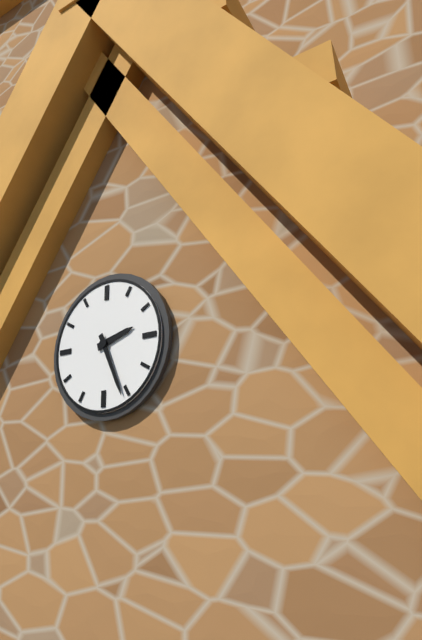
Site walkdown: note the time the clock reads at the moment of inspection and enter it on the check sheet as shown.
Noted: 2:26
